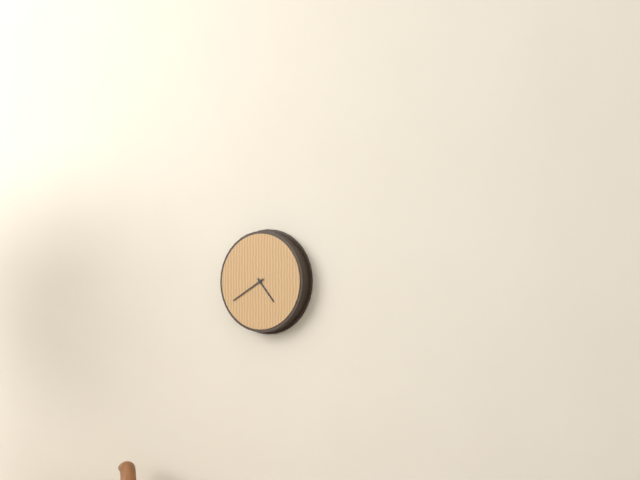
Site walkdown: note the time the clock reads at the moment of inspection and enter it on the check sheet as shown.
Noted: 4:40
